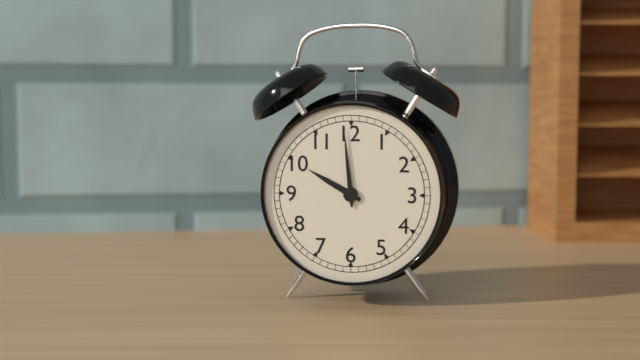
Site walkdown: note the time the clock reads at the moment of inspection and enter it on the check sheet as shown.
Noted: 9:59
